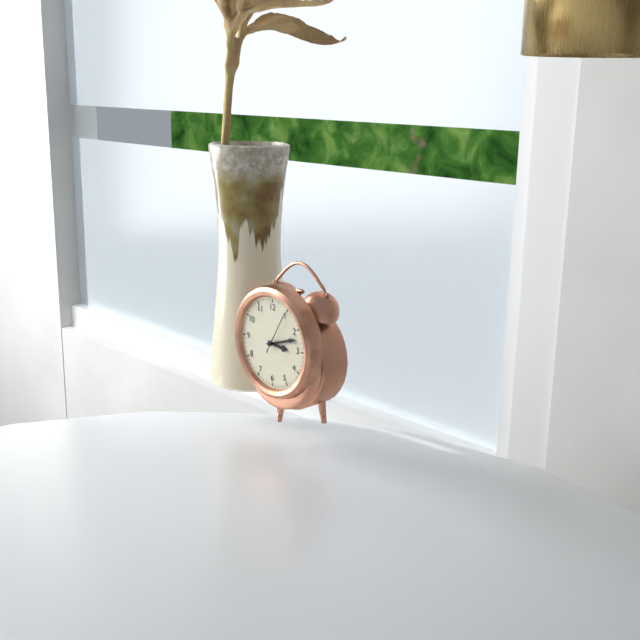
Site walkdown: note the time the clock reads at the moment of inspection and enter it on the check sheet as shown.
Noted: 3:12
